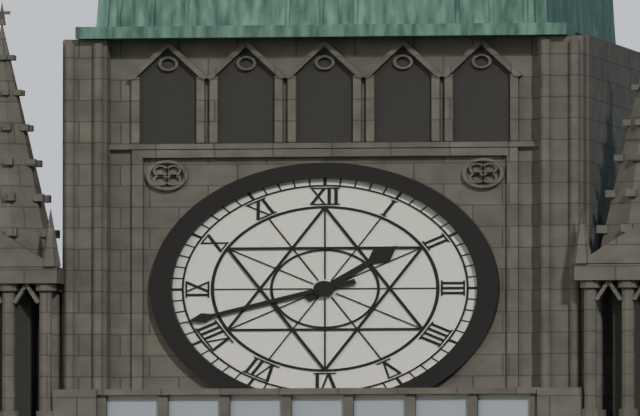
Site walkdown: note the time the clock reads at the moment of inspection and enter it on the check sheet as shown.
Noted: 1:42
